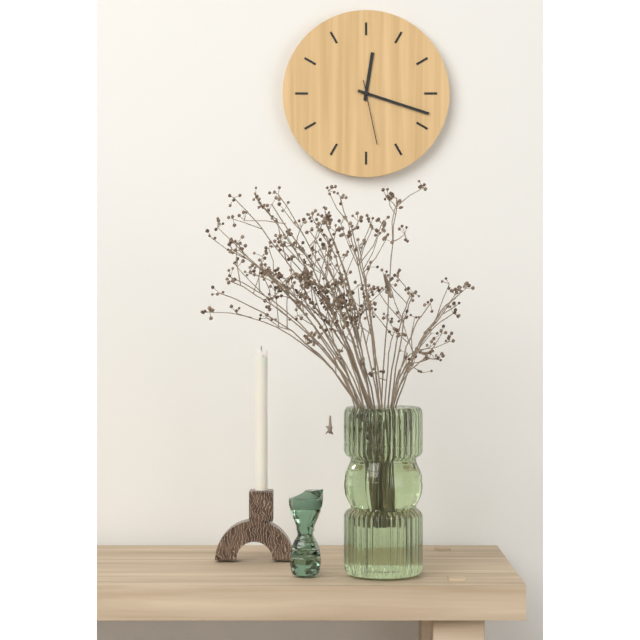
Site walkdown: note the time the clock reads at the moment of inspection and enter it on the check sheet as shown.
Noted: 12:18:28
